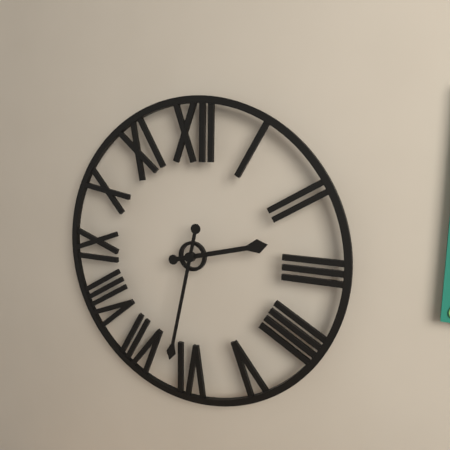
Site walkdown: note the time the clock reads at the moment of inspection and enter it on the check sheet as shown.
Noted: 2:32
